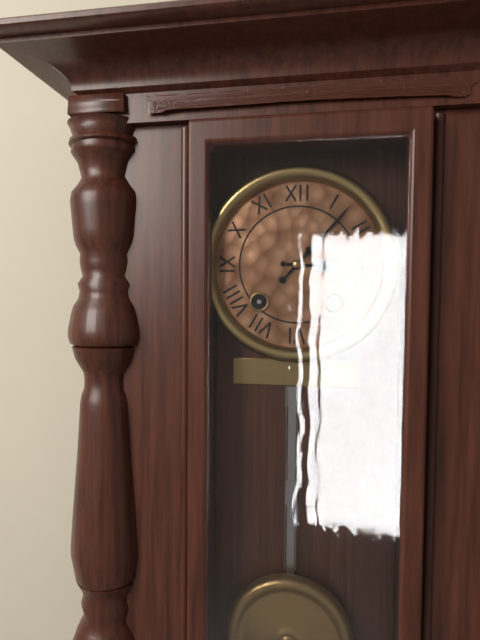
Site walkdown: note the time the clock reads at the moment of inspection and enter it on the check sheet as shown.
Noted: 3:07
